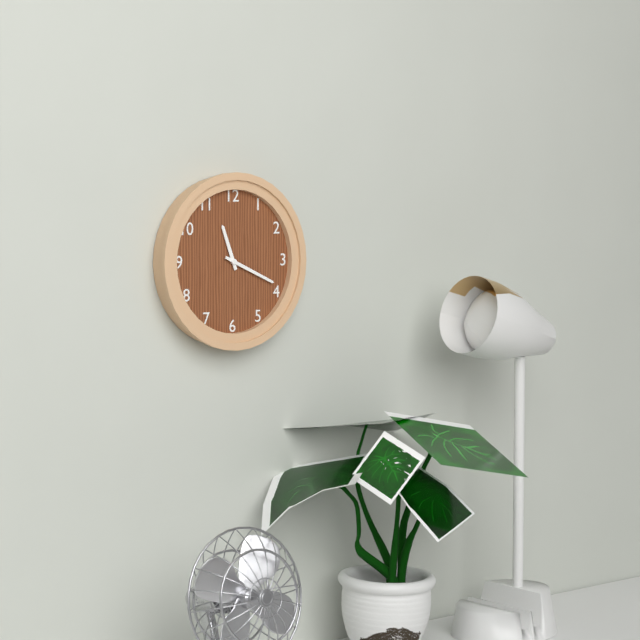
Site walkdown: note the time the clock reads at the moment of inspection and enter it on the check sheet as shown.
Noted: 11:19
